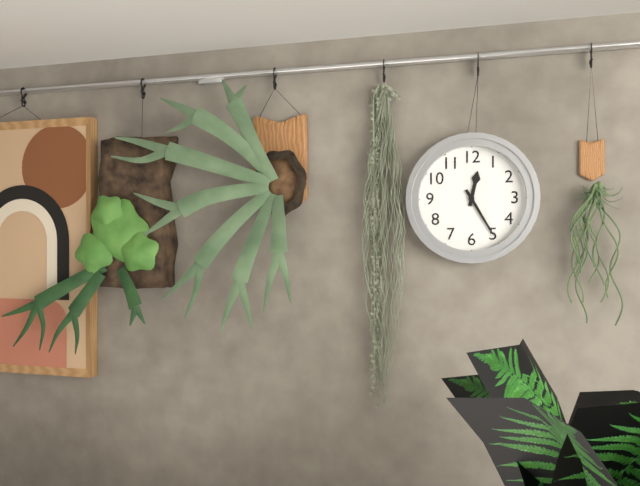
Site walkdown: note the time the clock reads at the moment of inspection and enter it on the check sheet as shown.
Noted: 12:25
